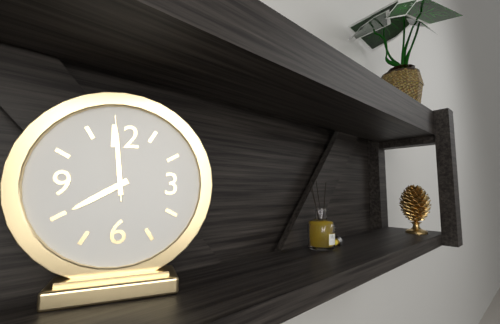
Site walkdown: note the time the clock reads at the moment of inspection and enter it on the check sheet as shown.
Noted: 7:59:59
